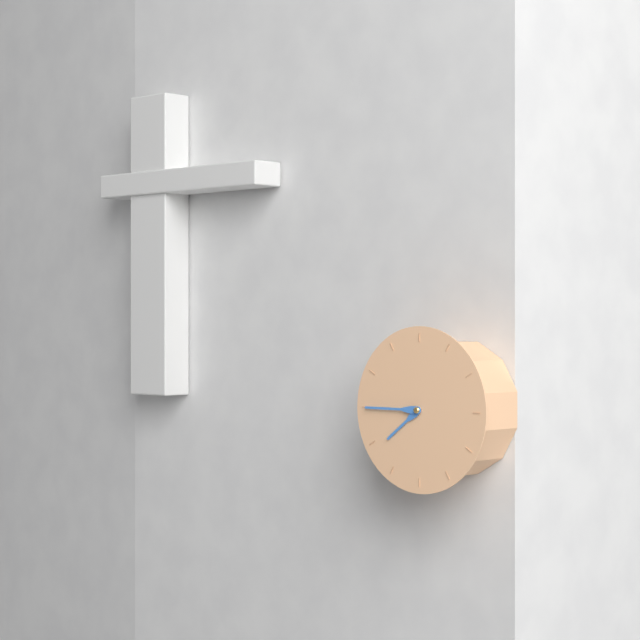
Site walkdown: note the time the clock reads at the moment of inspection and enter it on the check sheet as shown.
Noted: 7:45
